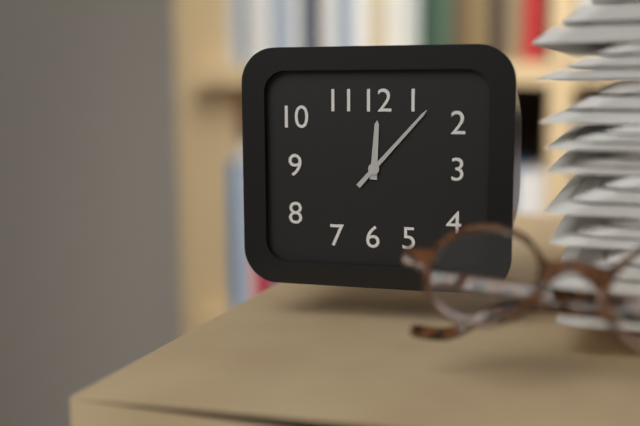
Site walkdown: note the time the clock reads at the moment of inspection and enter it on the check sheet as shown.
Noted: 12:07
